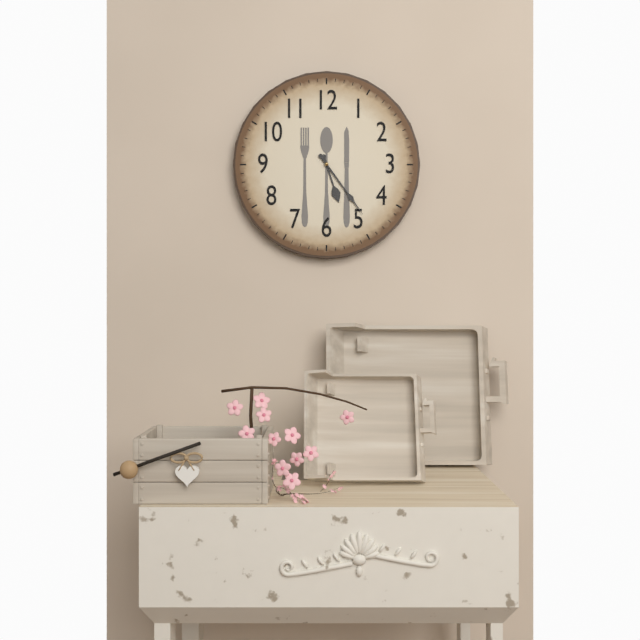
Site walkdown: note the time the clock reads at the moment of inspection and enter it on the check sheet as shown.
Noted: 5:24
